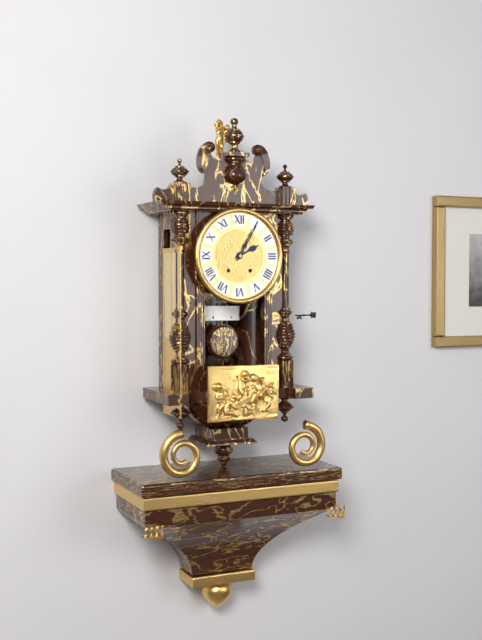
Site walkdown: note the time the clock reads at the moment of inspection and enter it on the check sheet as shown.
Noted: 2:05
